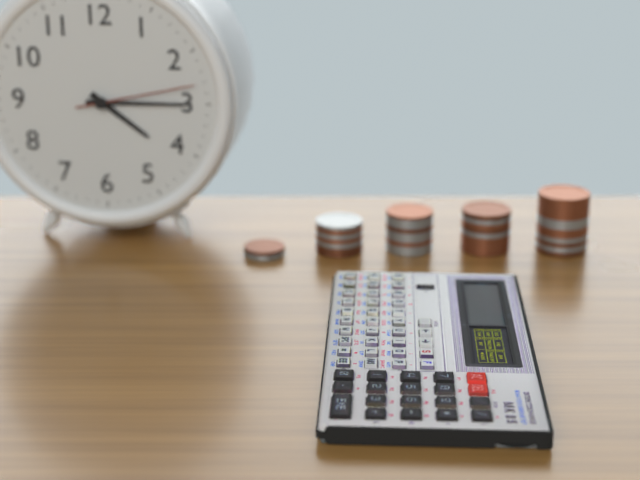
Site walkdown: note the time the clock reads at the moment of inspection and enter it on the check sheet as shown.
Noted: 4:15:13
